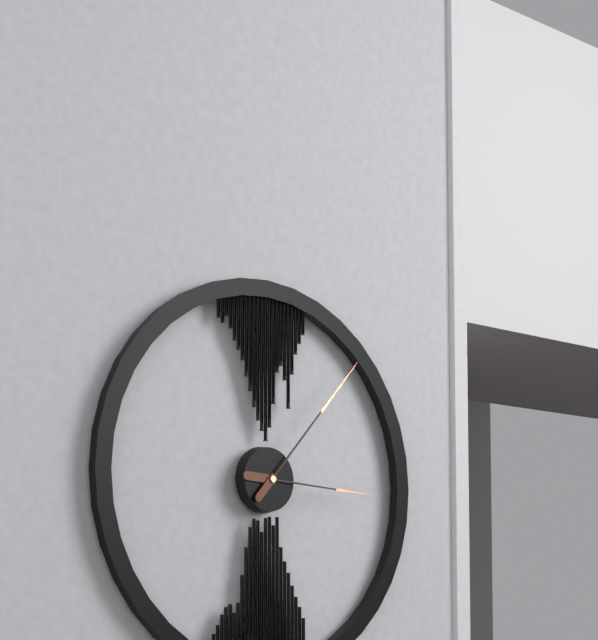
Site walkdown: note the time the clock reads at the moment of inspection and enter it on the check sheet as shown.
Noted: 3:07
